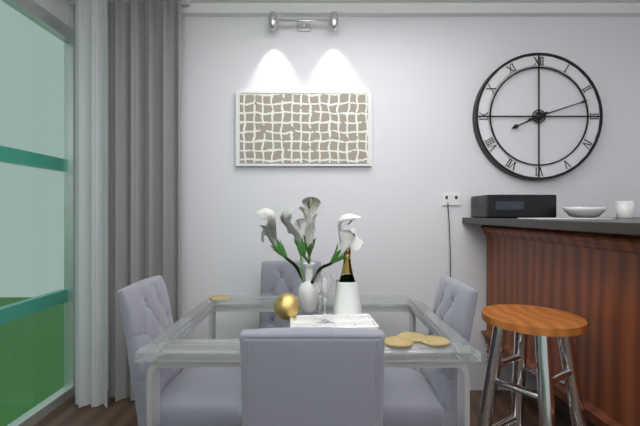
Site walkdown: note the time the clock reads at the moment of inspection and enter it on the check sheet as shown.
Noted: 8:12
